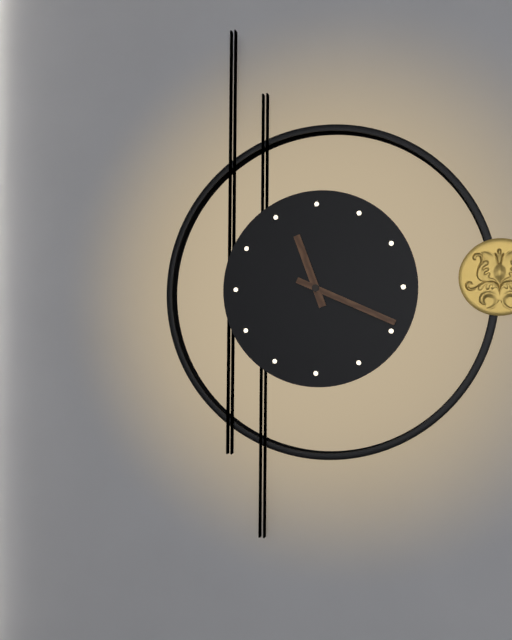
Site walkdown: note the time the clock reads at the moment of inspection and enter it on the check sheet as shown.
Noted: 11:19
